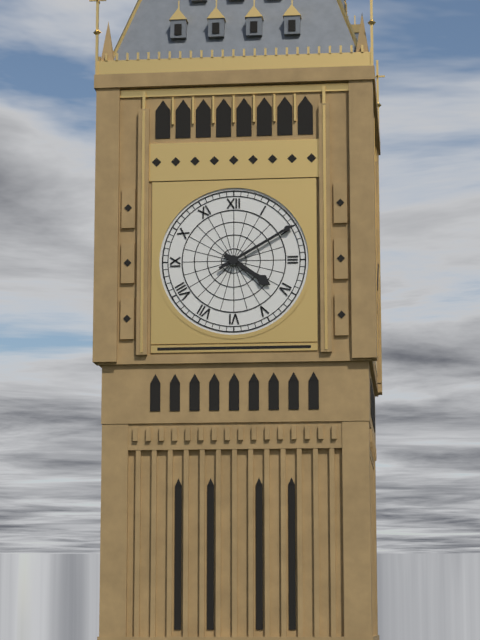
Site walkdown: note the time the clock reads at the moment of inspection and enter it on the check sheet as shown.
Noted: 4:10
